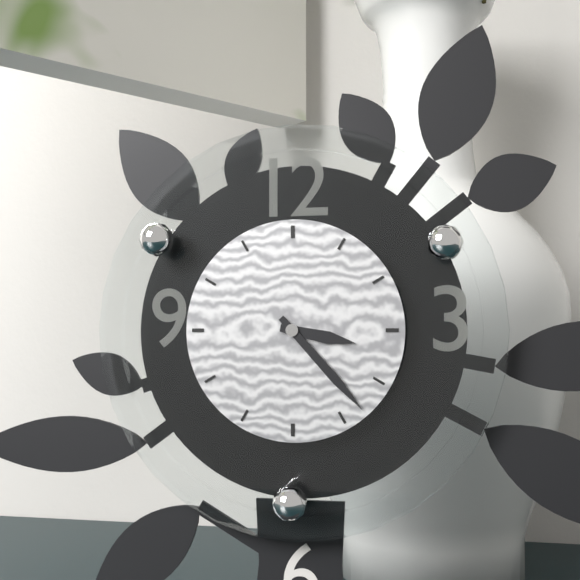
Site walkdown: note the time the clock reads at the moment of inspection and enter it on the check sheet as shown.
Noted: 3:23
